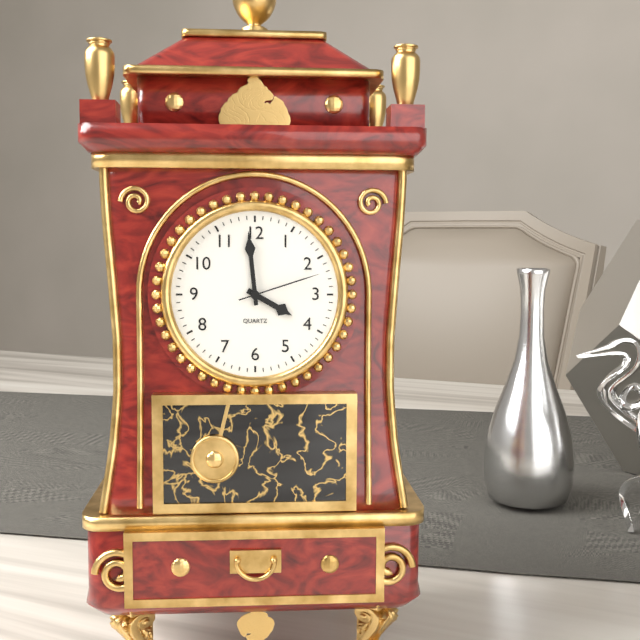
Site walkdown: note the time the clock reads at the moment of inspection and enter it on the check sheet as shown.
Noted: 3:59:12
